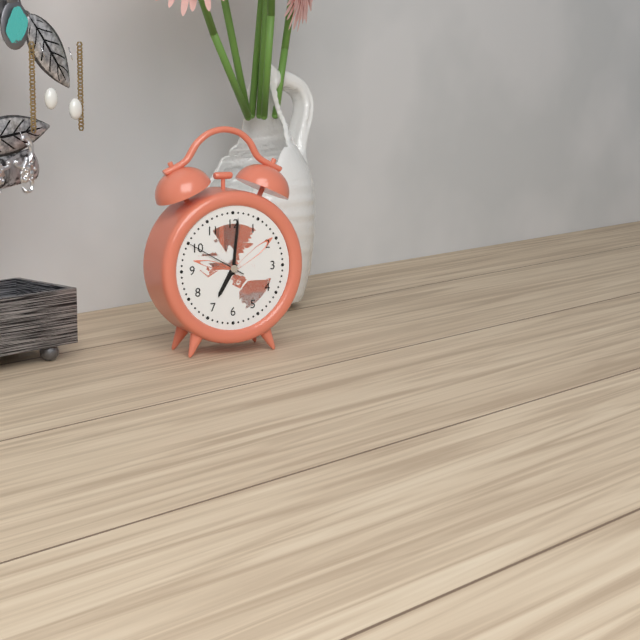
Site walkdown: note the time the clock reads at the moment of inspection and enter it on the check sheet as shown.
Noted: 7:01:50
